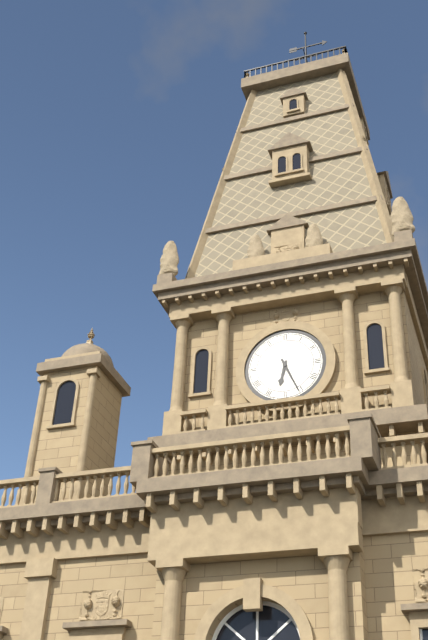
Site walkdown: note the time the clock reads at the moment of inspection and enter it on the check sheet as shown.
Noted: 6:26
